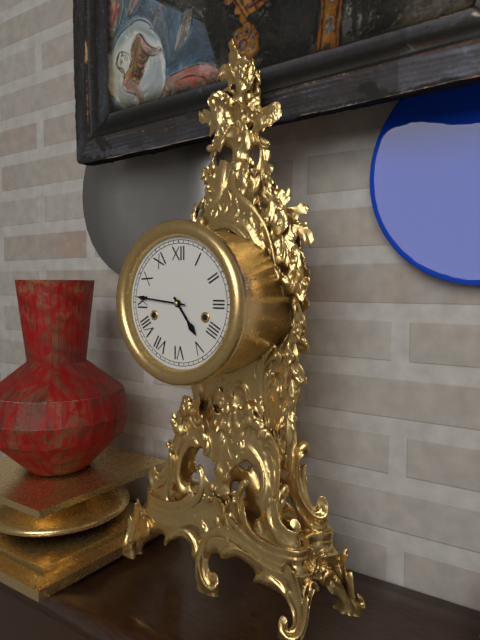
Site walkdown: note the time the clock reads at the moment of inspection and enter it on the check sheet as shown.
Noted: 4:46
